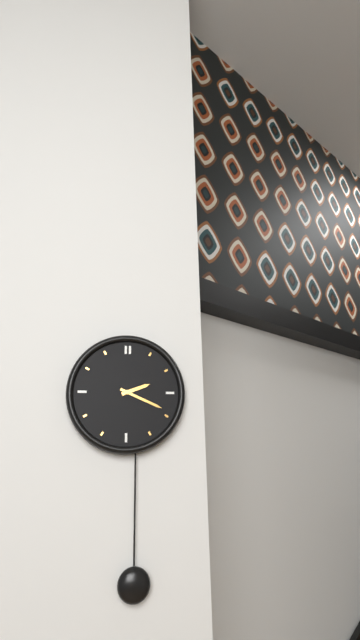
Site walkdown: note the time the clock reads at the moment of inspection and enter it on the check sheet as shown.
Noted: 2:19
